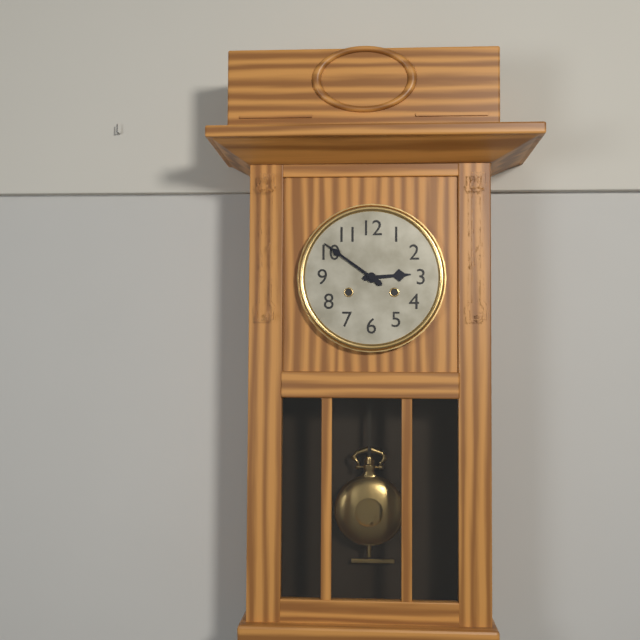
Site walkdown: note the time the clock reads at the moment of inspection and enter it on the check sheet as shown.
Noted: 2:51
